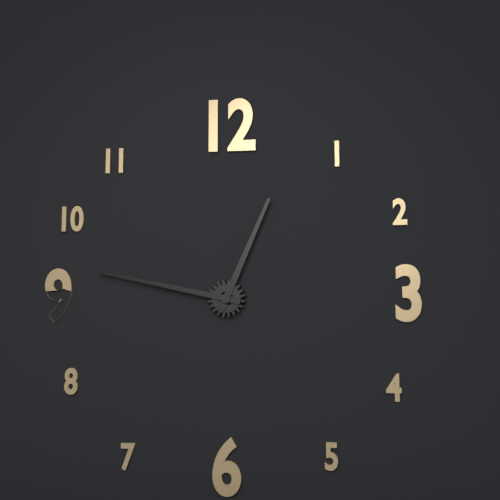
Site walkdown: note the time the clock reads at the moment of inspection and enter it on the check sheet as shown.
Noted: 12:47
